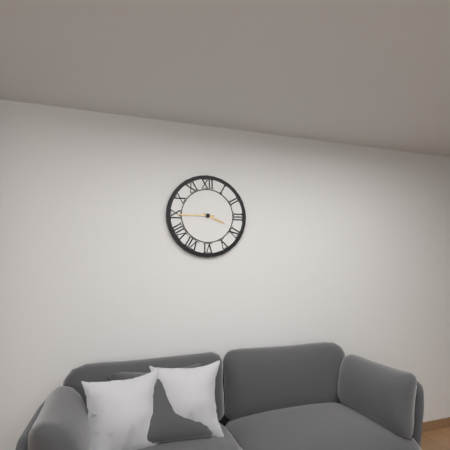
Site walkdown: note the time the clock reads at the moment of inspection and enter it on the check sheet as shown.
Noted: 3:45
